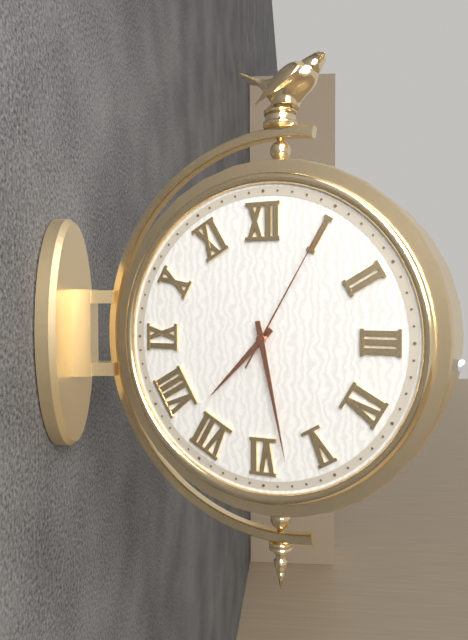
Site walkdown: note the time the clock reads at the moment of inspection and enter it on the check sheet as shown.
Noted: 7:28:05
